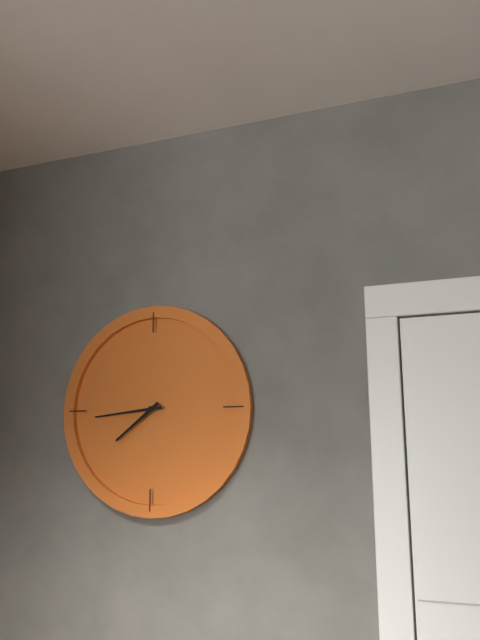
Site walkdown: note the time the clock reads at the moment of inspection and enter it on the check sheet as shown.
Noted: 7:44
